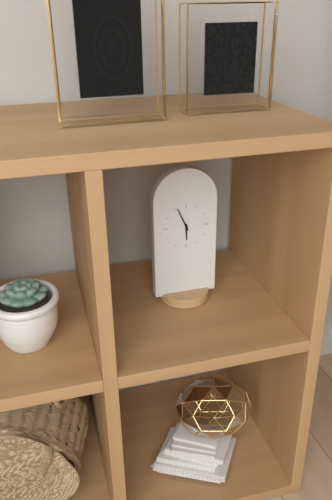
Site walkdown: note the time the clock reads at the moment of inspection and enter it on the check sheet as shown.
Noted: 5:56
